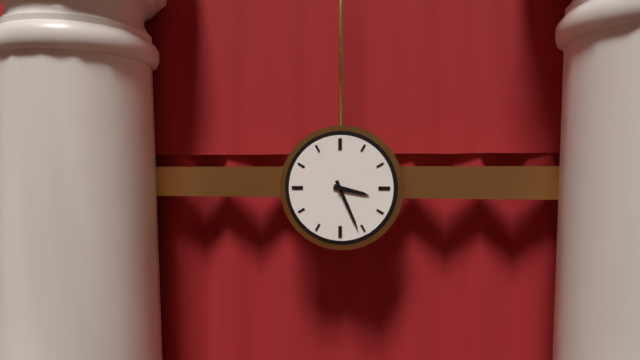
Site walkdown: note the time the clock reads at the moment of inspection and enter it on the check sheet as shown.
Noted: 3:26
